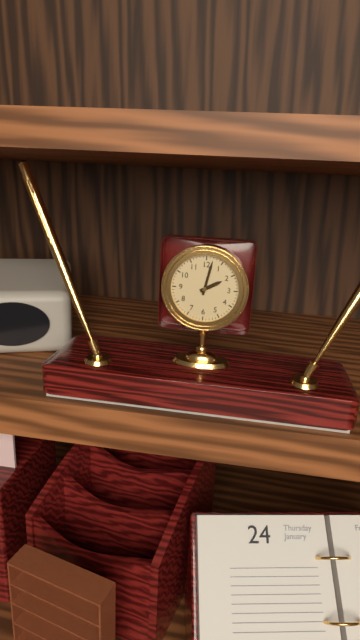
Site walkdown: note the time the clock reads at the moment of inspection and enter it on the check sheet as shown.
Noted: 2:02
